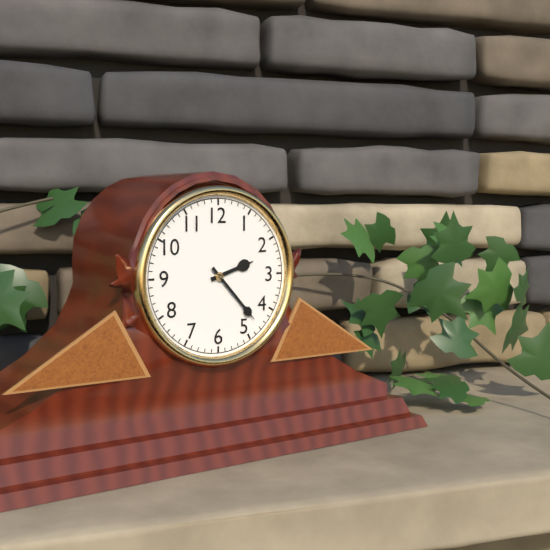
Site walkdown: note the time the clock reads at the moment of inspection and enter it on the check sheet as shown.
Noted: 2:23
